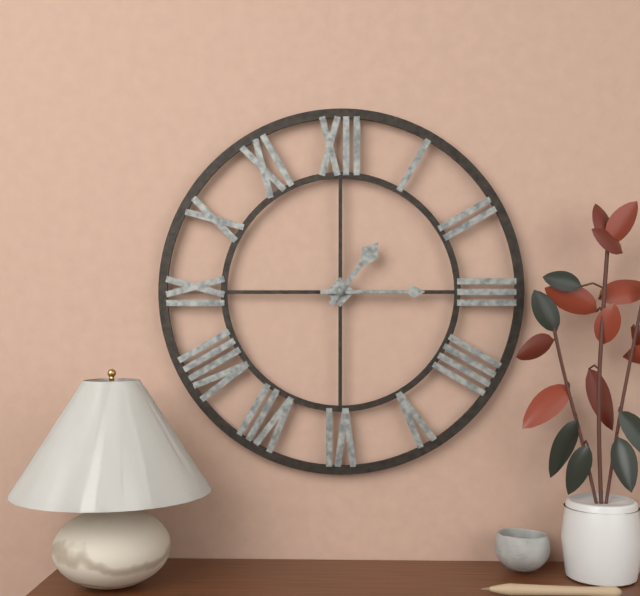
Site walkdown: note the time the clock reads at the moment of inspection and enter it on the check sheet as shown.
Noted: 1:15
